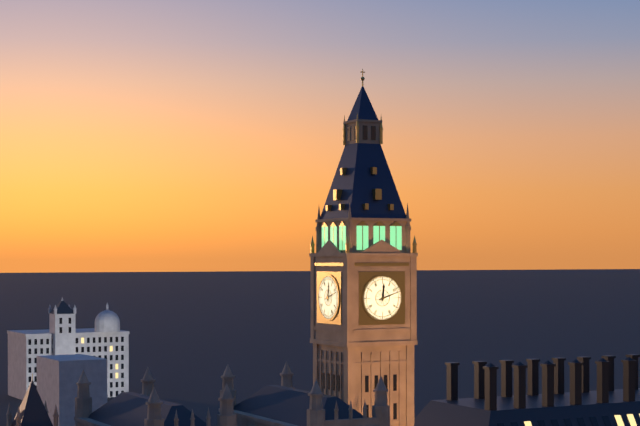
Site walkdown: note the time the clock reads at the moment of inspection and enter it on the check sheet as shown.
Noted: 12:12
